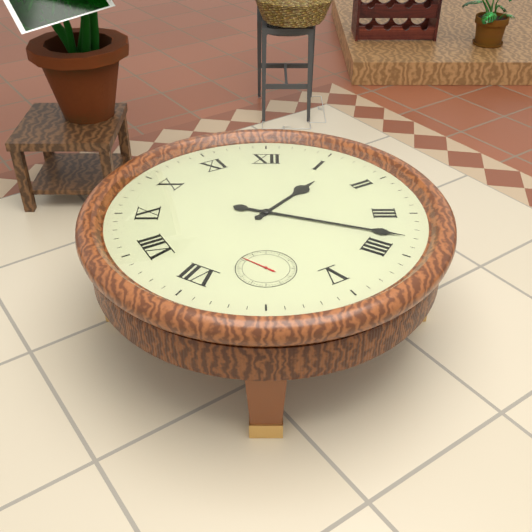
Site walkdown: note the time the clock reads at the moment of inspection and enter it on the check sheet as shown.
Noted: 1:18
